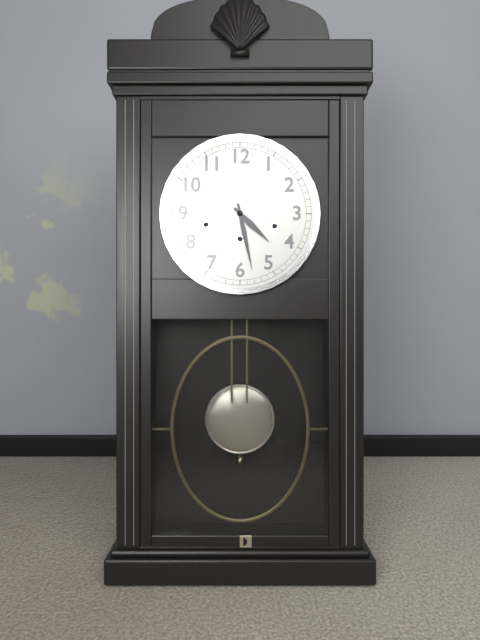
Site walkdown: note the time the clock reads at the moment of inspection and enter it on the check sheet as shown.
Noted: 4:28
